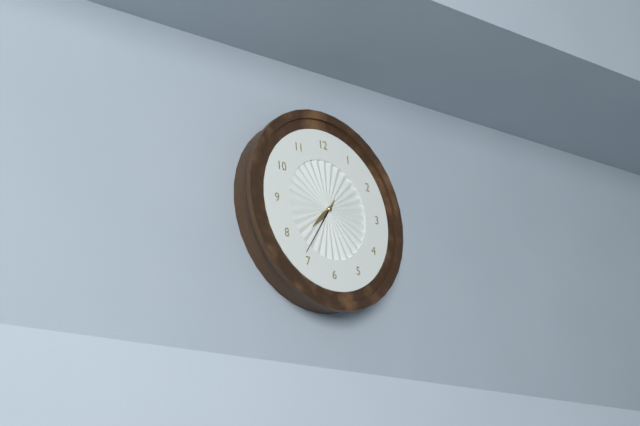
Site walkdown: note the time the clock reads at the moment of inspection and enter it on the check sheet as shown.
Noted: 7:36
